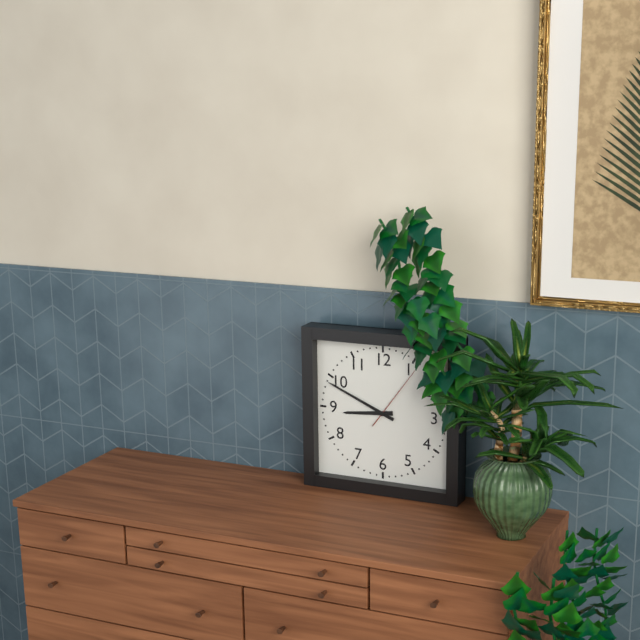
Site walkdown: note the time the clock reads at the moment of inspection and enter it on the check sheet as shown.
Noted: 8:49:06
